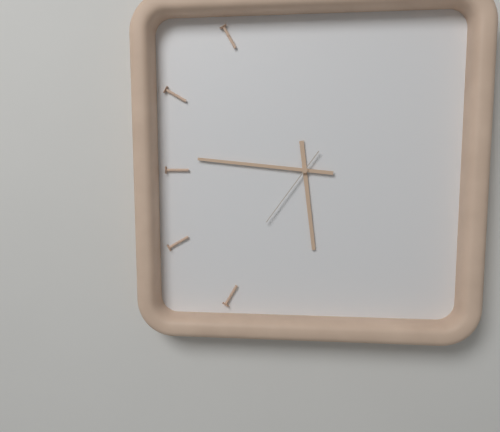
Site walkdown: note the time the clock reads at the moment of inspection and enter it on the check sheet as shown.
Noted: 5:46:36
